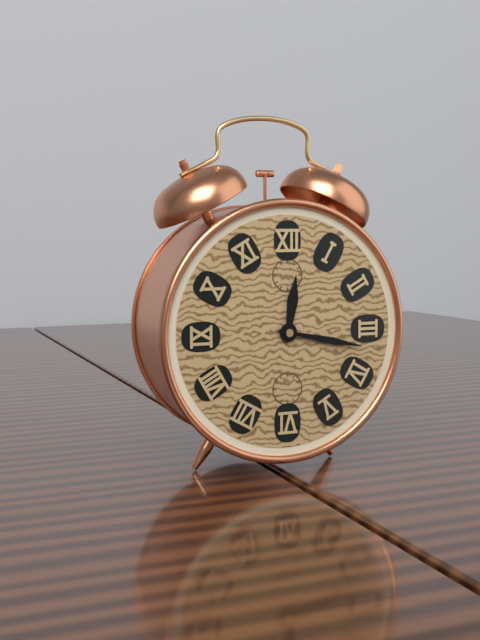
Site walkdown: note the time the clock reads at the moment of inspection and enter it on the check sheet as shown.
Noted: 12:17
